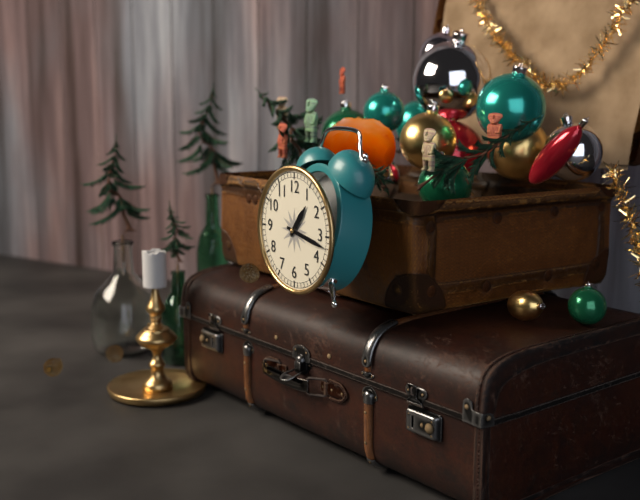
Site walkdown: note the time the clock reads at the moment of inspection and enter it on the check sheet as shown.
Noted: 1:17
